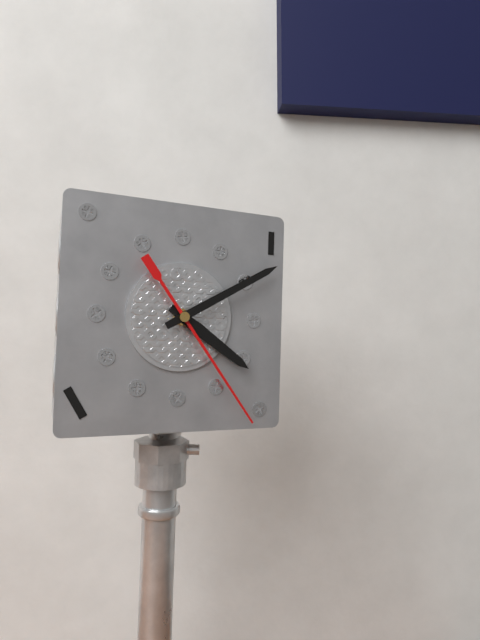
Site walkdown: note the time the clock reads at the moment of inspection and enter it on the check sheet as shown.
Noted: 4:10:24
